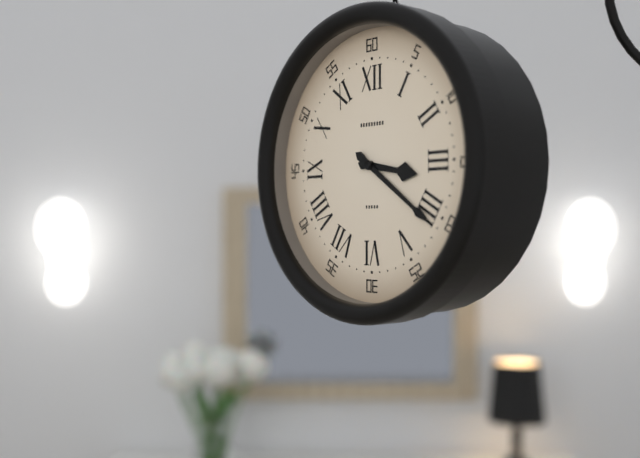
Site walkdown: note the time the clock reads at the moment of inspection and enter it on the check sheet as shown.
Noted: 3:21
